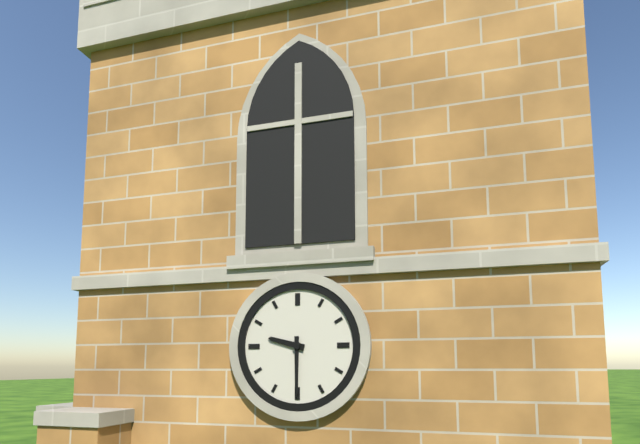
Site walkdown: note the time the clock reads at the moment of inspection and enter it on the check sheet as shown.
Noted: 9:30
